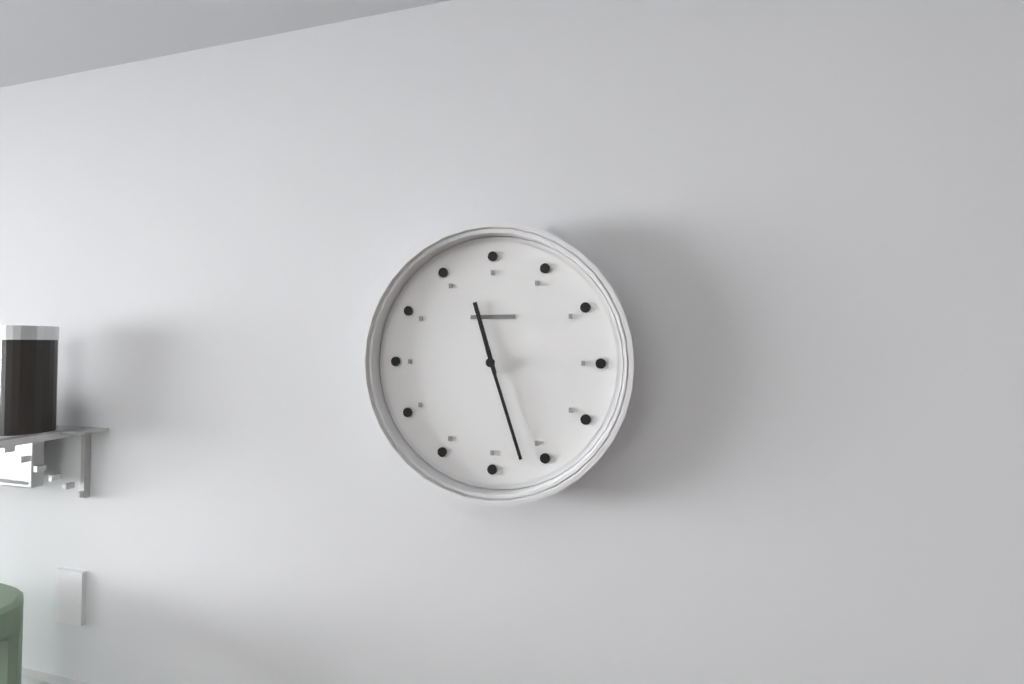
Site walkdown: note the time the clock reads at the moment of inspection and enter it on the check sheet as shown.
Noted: 11:27
